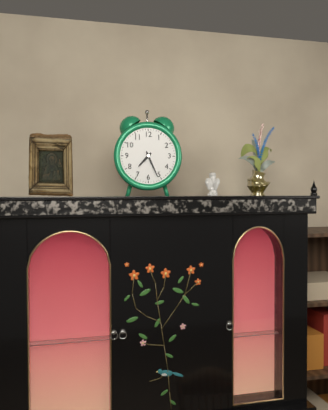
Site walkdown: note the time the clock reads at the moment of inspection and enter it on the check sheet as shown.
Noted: 7:26
